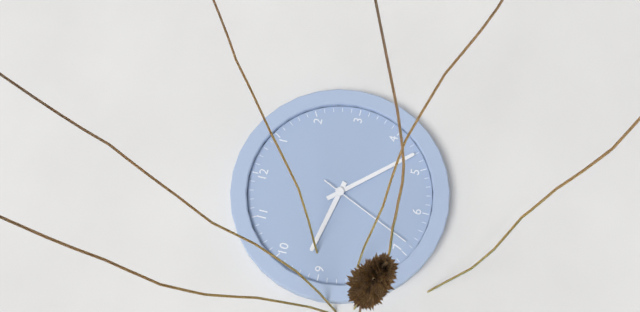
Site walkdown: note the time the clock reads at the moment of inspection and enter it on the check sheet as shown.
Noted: 9:23:34
